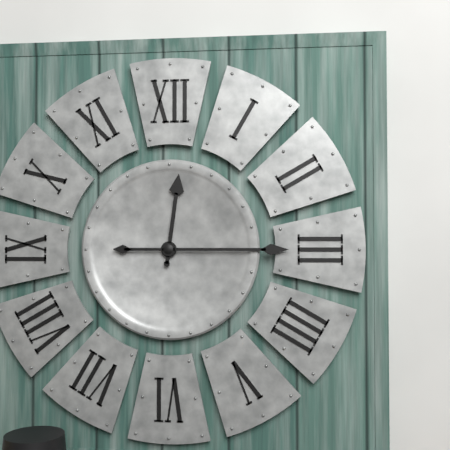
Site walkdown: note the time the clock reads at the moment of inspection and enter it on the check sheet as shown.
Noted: 12:15
